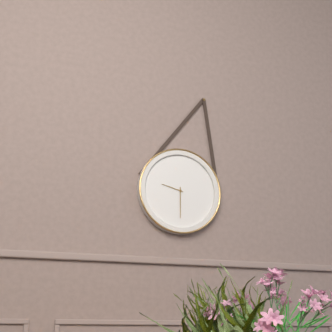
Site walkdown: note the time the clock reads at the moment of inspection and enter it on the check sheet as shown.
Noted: 9:30
